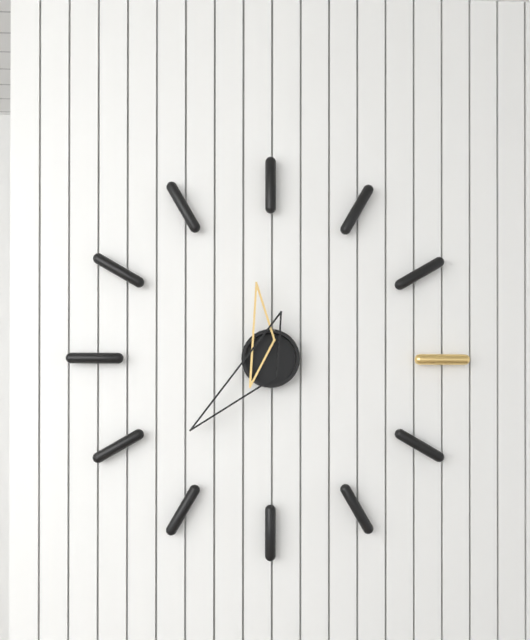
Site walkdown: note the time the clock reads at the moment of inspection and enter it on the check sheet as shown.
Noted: 11:38
